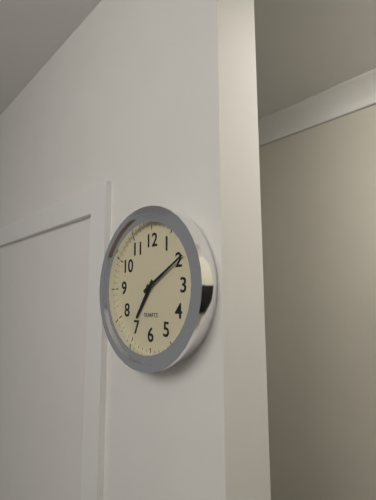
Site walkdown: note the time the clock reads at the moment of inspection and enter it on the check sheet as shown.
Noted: 7:10
